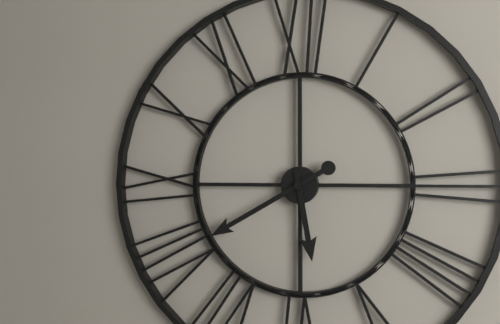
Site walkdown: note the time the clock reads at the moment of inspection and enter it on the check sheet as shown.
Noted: 5:40
